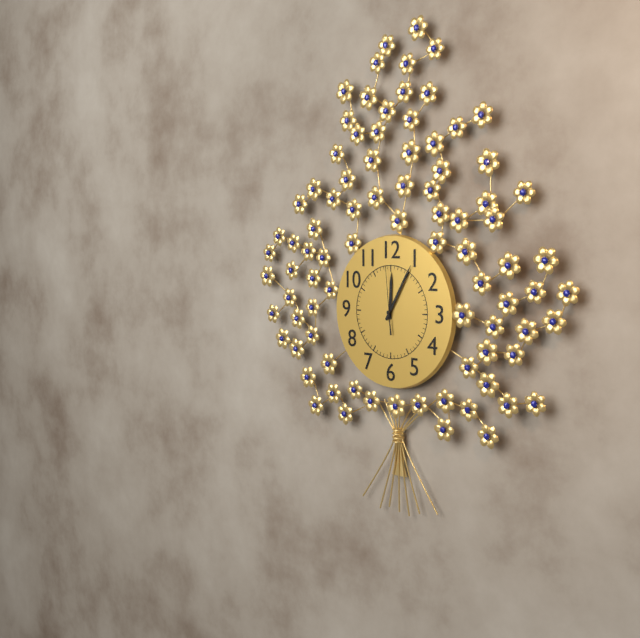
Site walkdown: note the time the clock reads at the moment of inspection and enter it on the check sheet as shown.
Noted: 12:05:59
